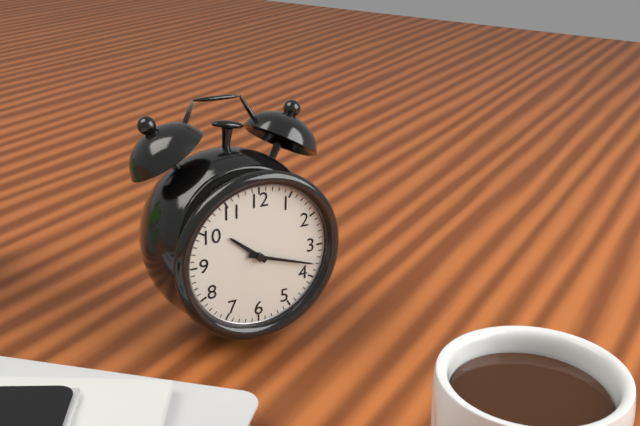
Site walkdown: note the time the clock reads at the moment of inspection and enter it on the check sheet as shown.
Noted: 10:18
